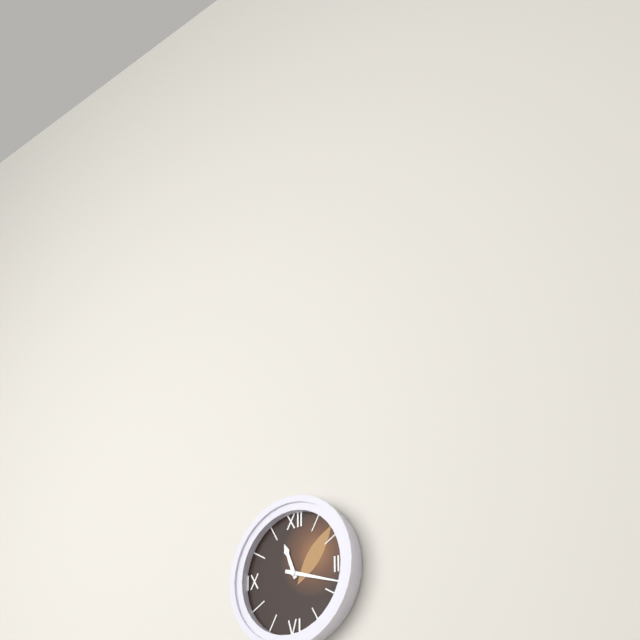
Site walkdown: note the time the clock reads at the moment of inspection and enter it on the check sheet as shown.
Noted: 11:18
